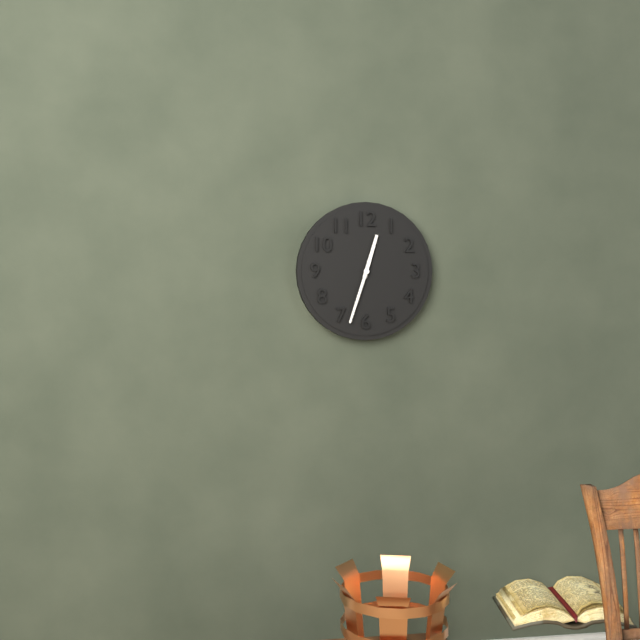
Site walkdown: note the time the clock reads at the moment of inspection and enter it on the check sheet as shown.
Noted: 12:33
